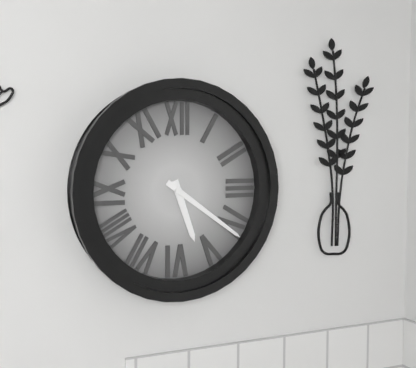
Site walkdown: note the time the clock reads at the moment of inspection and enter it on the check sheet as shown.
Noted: 5:21
